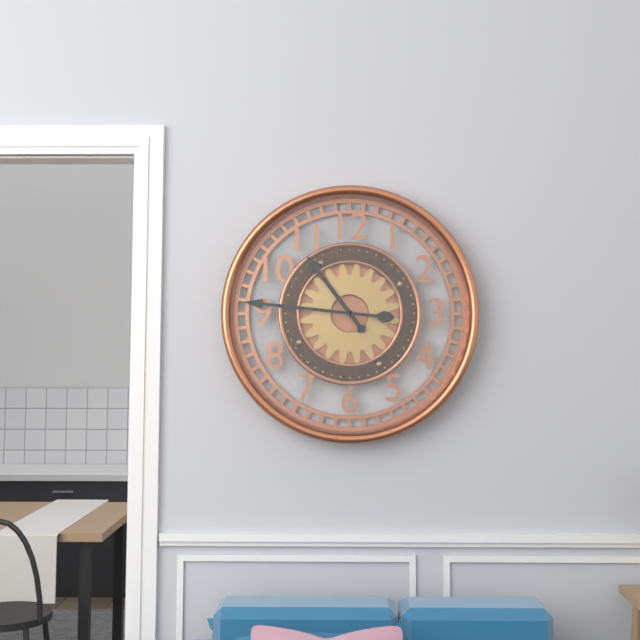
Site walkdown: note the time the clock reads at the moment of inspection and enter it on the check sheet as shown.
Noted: 10:46
